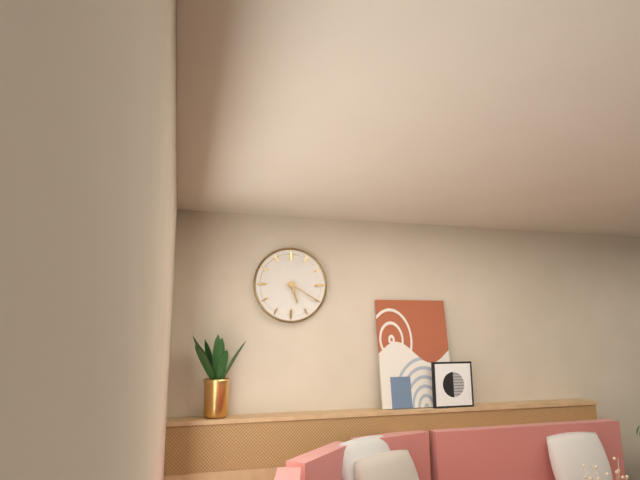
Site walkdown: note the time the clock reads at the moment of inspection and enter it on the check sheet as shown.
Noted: 5:20
